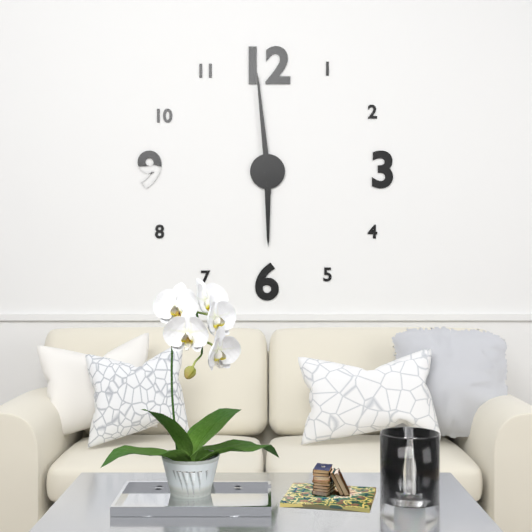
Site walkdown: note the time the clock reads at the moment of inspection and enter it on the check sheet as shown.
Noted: 5:59
